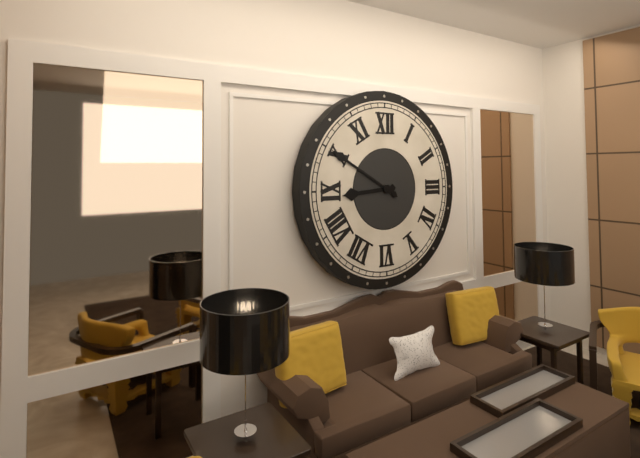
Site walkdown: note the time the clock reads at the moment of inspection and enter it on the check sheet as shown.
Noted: 8:50
